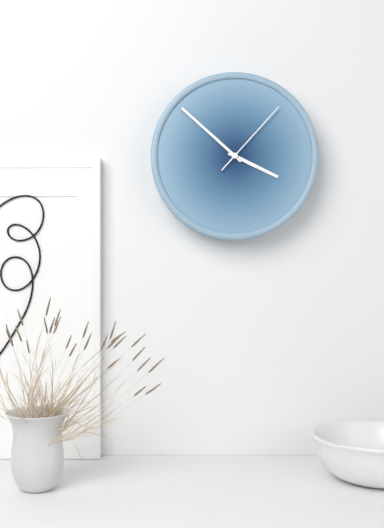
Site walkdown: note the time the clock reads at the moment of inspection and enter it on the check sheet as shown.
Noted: 3:52:07
